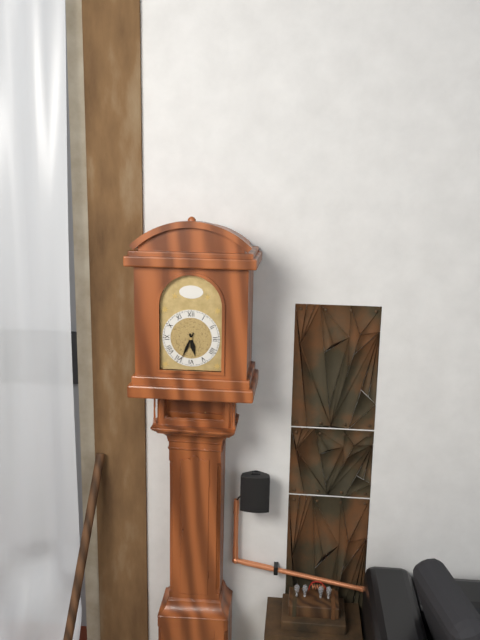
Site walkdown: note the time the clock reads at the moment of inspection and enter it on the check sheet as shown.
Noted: 5:34
